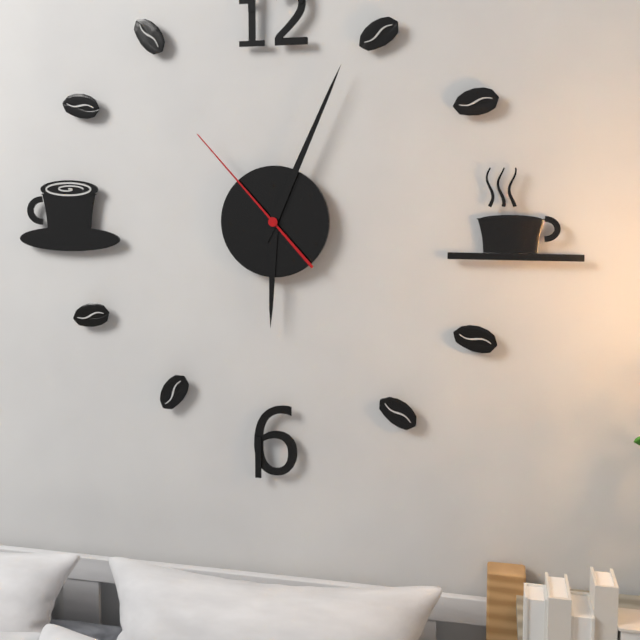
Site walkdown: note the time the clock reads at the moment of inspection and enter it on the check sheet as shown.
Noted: 6:04:53
